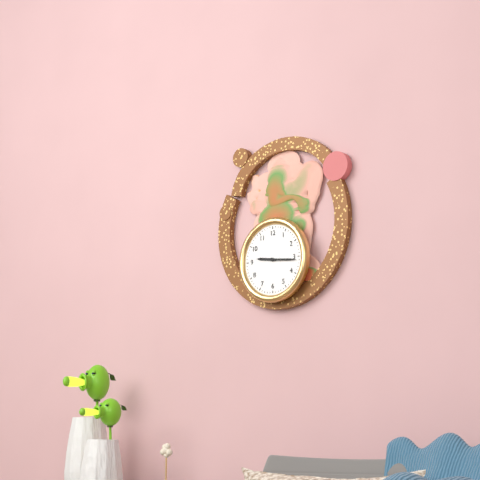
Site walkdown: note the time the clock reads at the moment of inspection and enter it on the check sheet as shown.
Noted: 9:16
